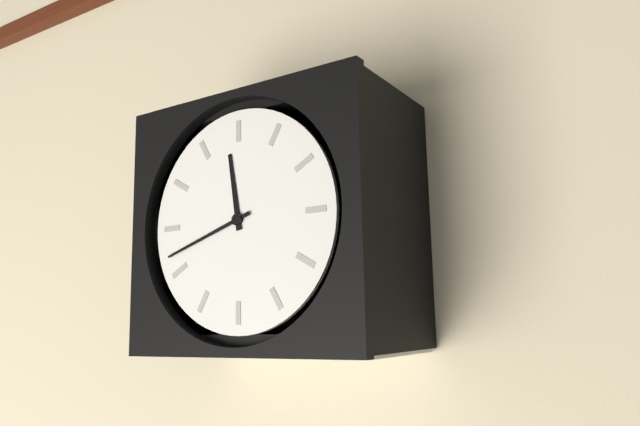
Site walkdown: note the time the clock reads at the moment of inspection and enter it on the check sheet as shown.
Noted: 11:42
